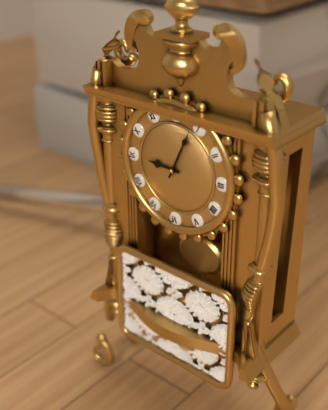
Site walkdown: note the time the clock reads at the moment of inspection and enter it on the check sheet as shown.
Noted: 9:04
